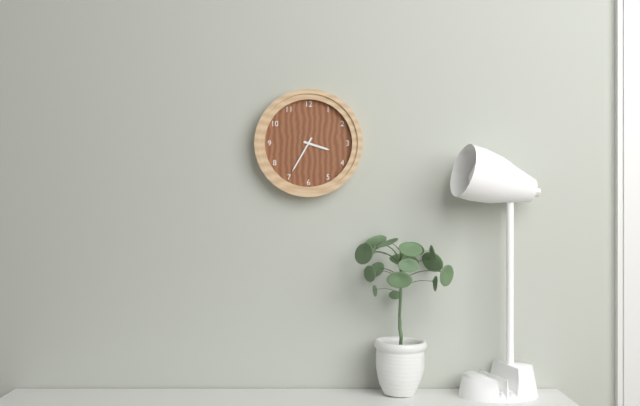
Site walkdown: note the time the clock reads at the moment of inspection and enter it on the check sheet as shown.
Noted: 3:35
